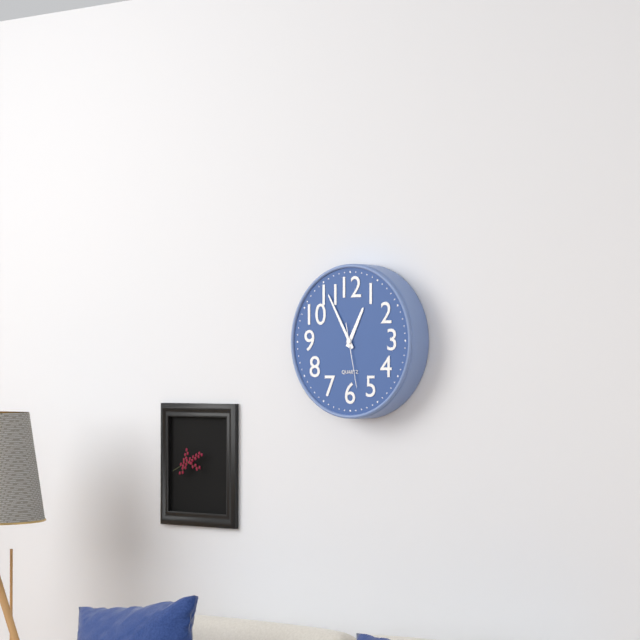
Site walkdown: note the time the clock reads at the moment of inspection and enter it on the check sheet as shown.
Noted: 12:55:28
